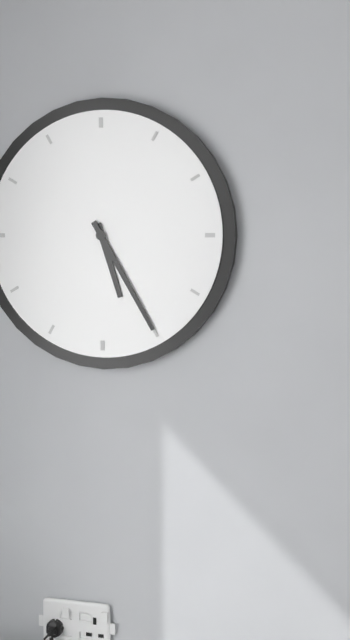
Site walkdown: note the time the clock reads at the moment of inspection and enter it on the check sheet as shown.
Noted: 5:25
